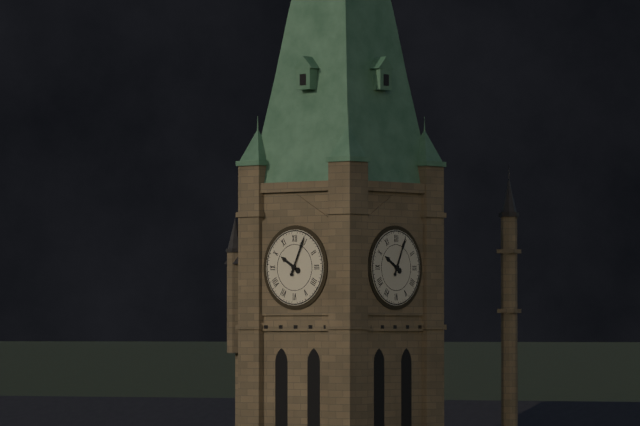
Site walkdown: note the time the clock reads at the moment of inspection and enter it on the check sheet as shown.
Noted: 10:04
